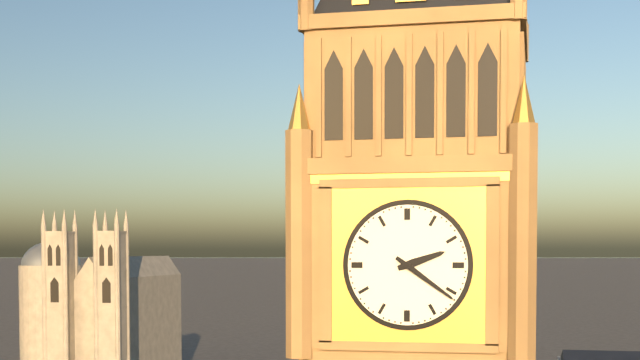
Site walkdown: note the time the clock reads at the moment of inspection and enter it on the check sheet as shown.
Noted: 2:21
